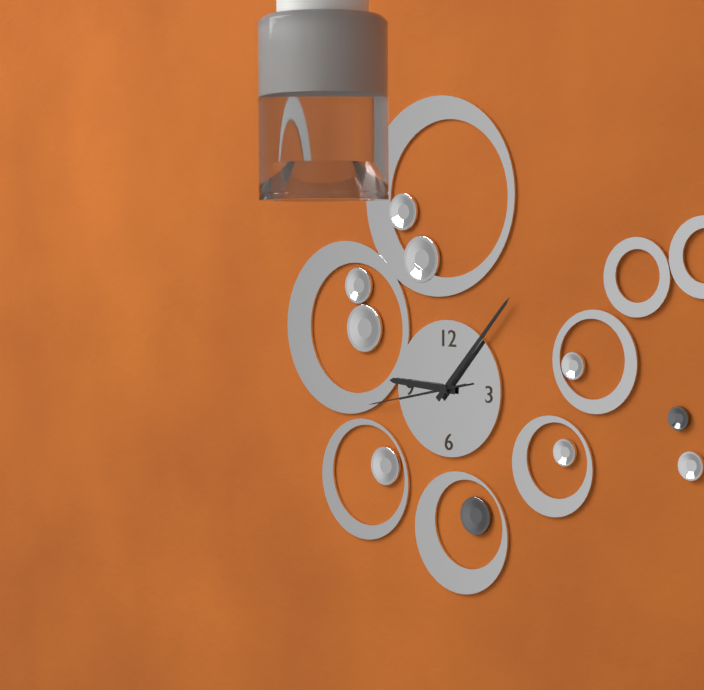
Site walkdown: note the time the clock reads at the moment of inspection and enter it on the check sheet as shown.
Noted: 9:07:43
